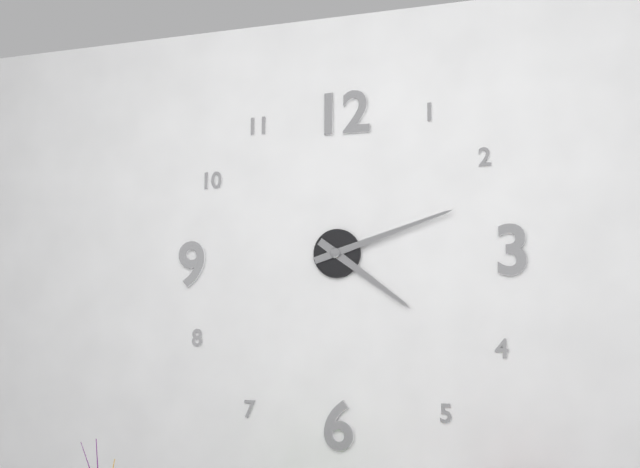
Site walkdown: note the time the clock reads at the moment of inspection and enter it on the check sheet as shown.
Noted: 4:12
